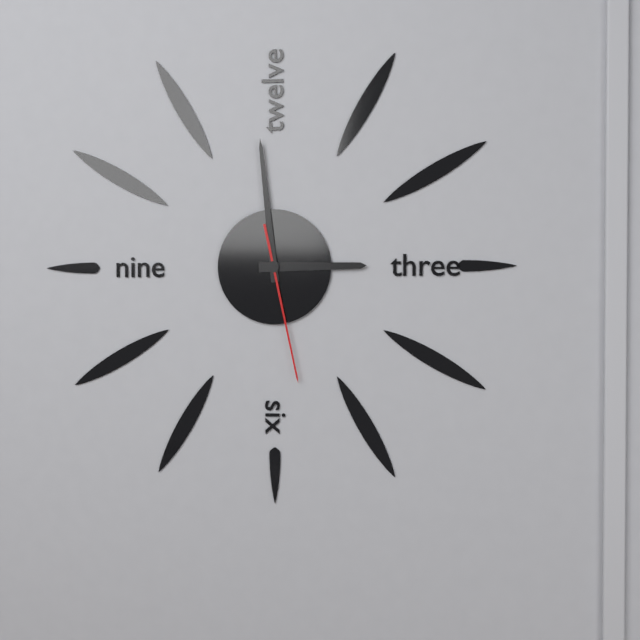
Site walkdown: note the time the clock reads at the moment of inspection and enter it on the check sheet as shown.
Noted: 2:59:28
